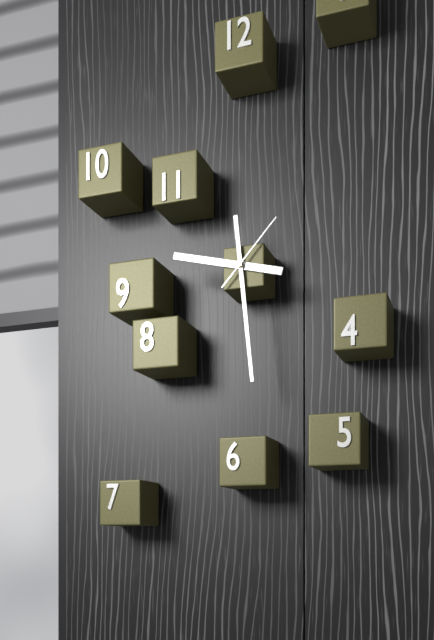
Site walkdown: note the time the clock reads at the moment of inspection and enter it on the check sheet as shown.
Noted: 9:29:07
